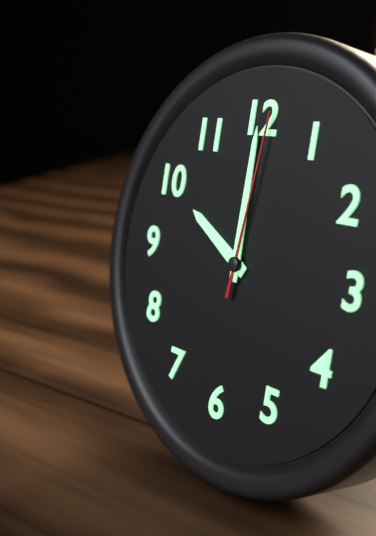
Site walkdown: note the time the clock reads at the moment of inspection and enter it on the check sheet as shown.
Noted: 10:00:01
